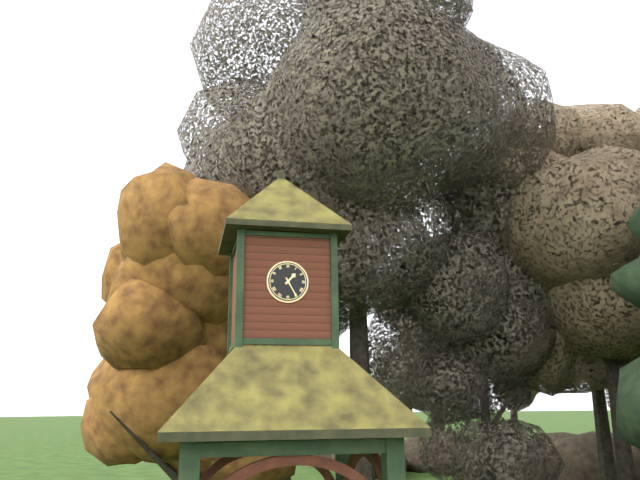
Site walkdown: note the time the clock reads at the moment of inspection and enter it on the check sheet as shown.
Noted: 1:25
